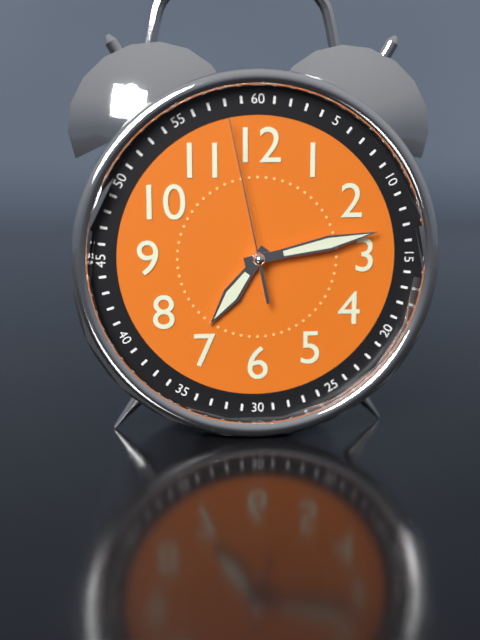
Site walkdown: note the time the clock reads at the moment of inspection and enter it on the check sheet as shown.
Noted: 7:13:58
